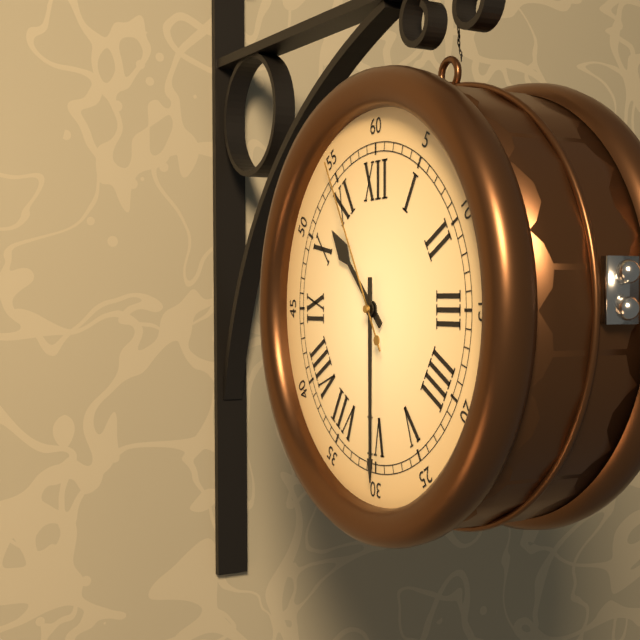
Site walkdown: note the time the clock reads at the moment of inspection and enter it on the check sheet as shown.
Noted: 10:30:55
